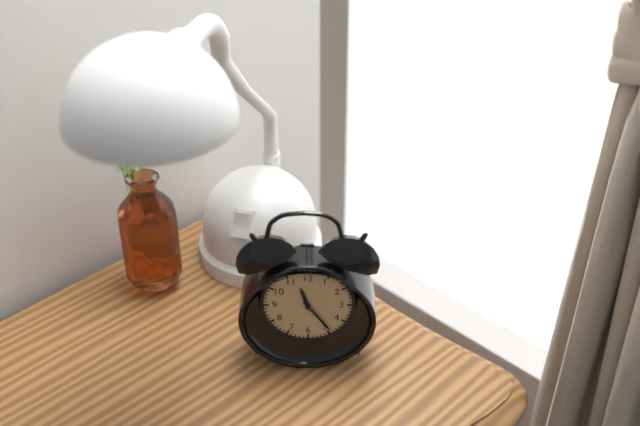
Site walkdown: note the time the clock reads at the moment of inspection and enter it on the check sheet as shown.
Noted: 11:24
